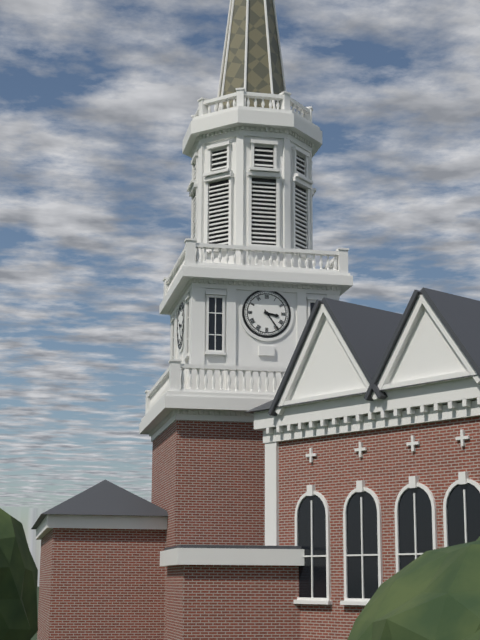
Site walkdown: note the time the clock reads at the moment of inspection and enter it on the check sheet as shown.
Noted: 3:24
